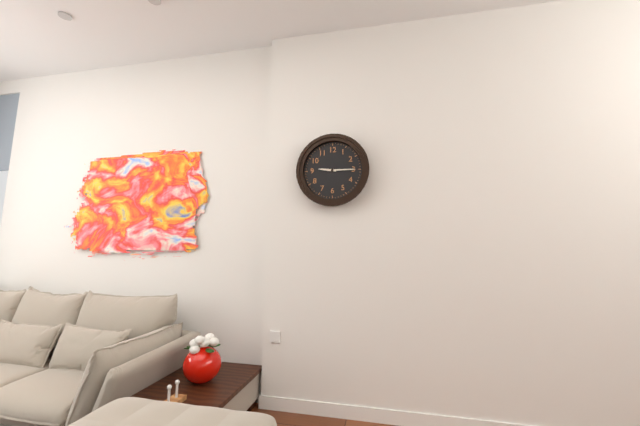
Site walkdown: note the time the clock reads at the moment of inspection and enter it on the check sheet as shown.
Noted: 9:15
